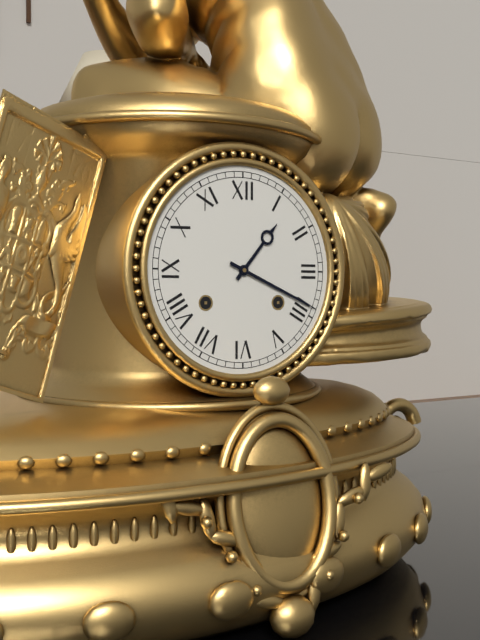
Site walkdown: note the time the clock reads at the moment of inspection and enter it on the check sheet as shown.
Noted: 1:19
